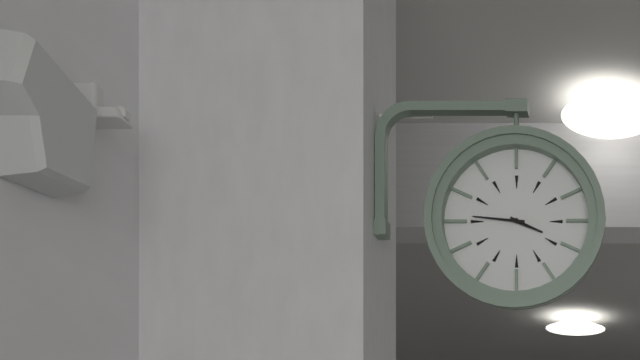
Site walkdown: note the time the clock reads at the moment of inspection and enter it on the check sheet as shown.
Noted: 3:46
